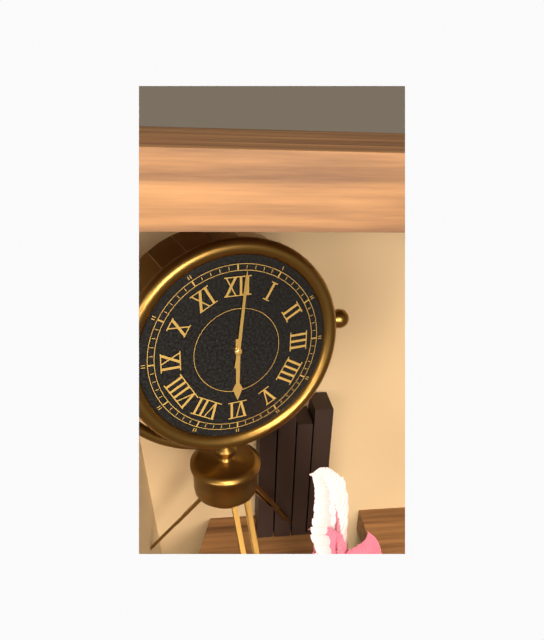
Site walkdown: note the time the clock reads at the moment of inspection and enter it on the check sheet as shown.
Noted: 6:01
